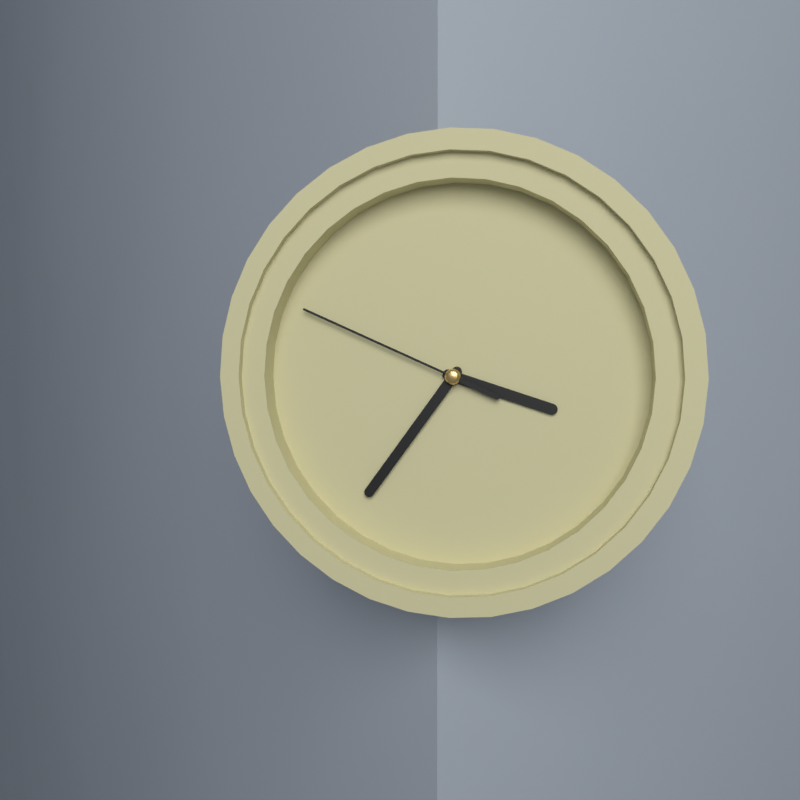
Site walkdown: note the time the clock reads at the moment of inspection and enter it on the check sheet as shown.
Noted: 3:36:49
